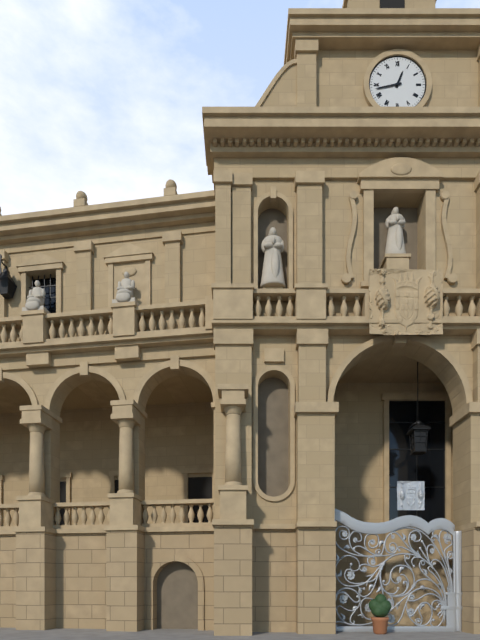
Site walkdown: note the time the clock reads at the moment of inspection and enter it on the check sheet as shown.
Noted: 12:43
